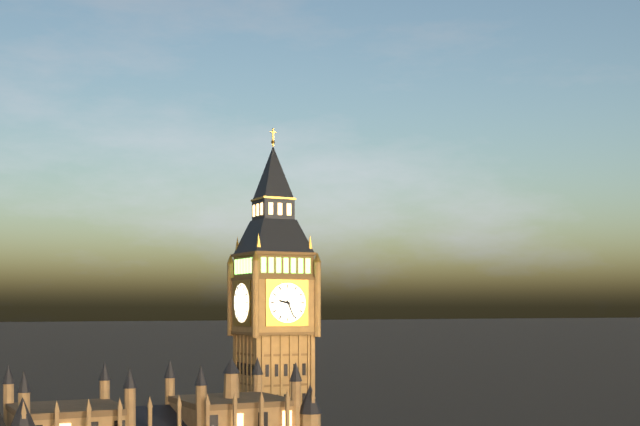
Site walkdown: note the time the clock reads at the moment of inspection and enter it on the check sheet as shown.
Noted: 9:26
